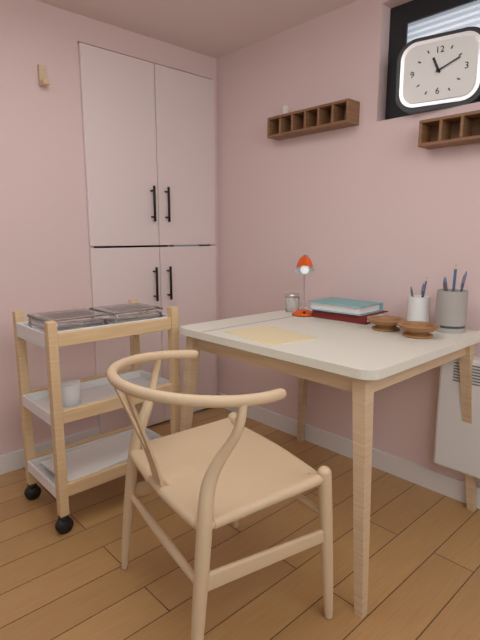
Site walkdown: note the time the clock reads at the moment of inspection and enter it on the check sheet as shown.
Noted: 11:11
